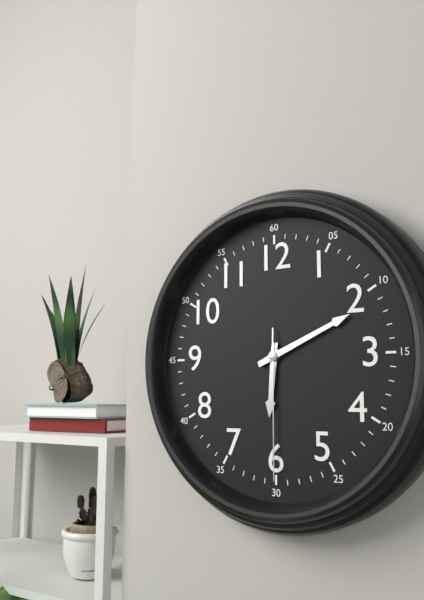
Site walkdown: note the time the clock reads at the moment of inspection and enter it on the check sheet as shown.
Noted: 6:11:30
